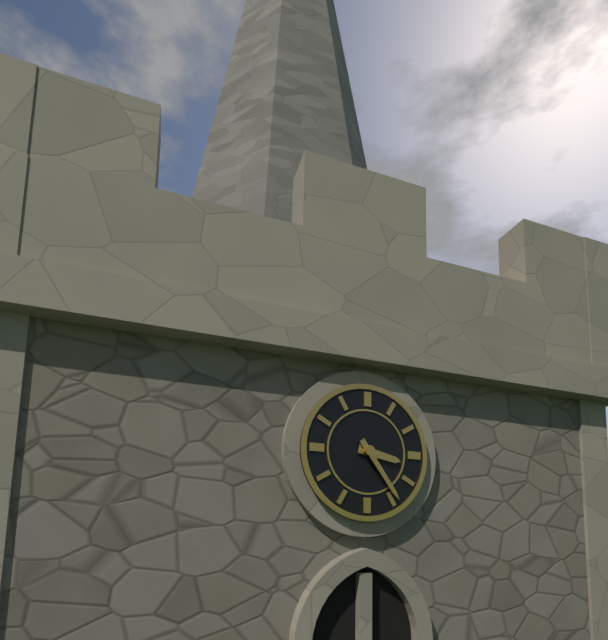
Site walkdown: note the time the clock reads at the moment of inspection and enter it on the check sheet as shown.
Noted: 3:24
